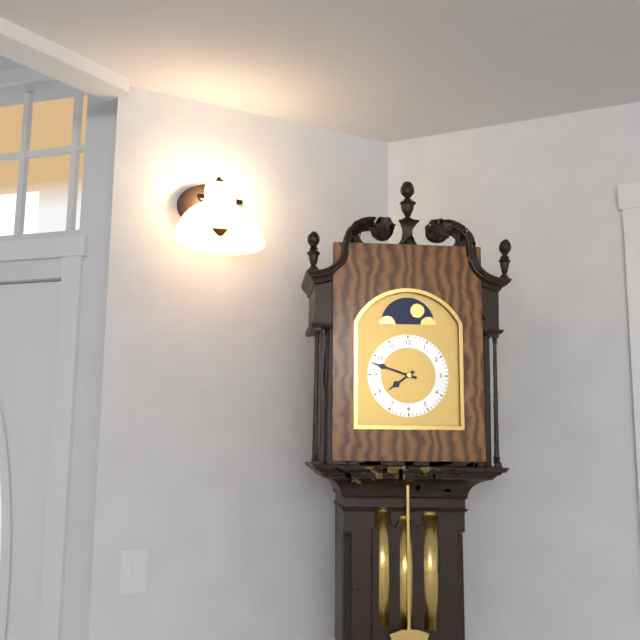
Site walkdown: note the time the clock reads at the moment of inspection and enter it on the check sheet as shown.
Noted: 7:48
